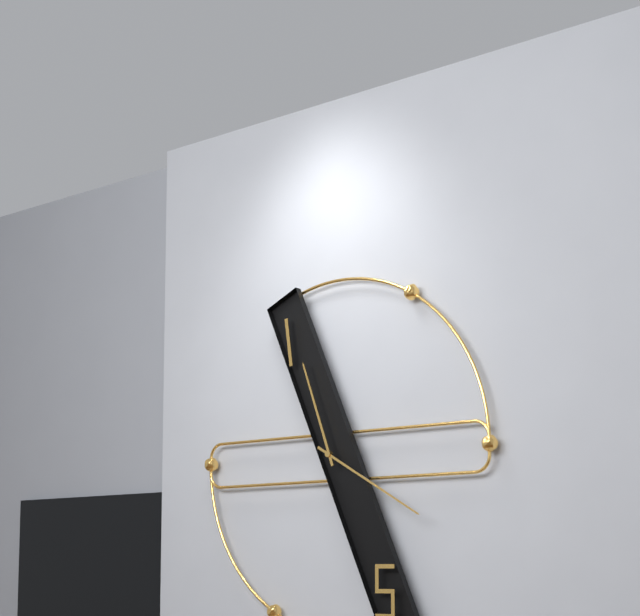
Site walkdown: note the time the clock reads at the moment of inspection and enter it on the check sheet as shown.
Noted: 11:20
